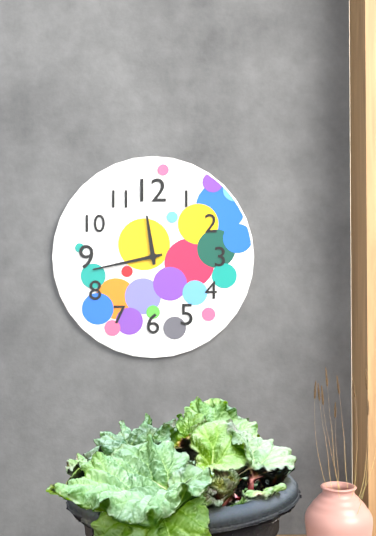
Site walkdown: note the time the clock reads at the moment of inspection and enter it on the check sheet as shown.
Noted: 11:43
